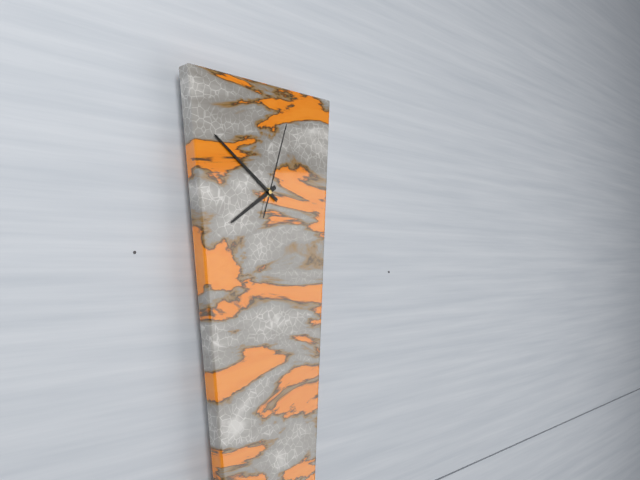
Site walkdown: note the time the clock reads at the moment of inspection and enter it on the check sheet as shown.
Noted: 7:51:03
